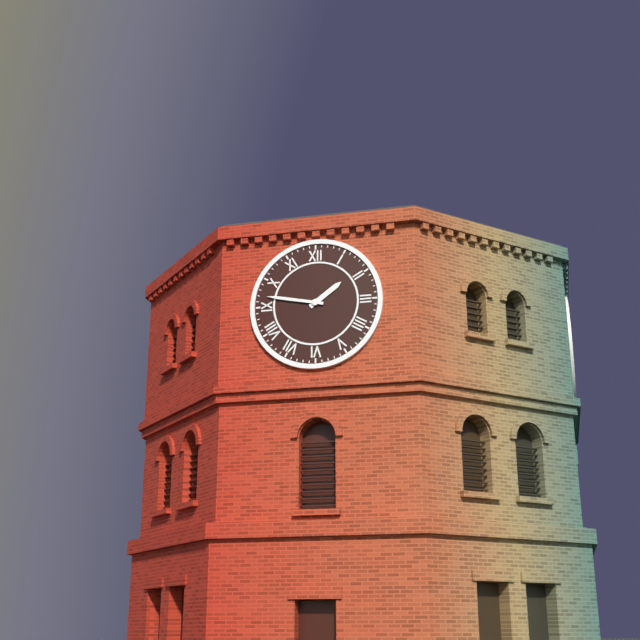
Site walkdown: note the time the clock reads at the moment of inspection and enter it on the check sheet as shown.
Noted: 1:47
